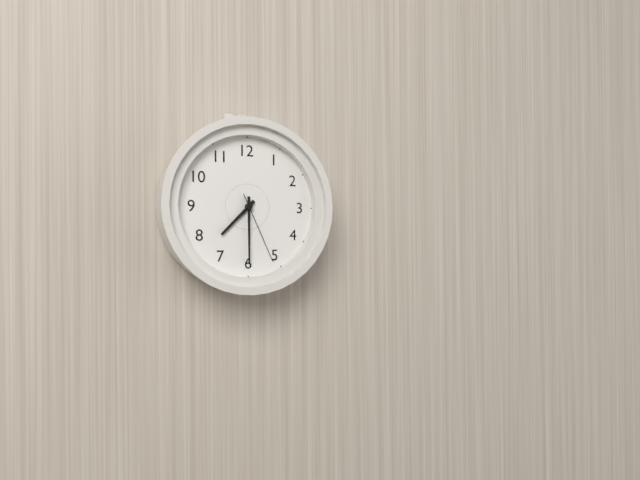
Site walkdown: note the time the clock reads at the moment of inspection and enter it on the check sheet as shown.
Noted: 7:30:26
